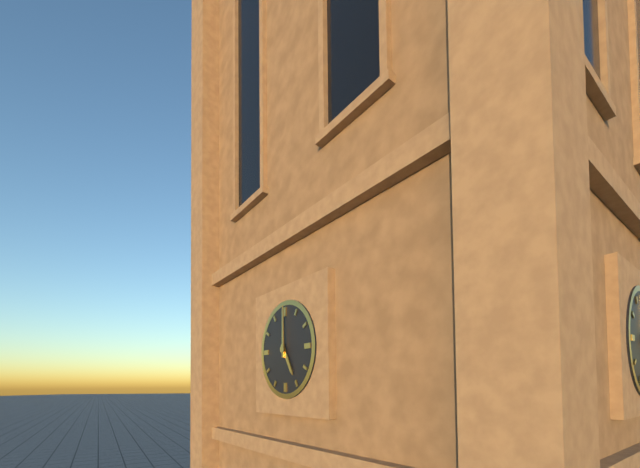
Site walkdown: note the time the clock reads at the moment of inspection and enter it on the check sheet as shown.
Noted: 5:00
